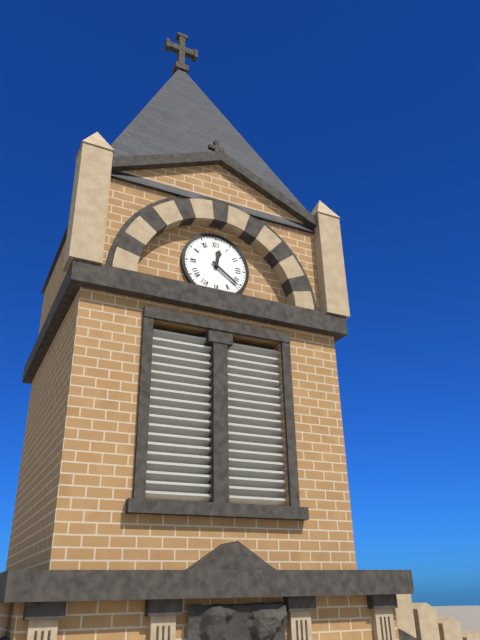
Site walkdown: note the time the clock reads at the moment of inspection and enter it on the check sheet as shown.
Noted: 12:21
